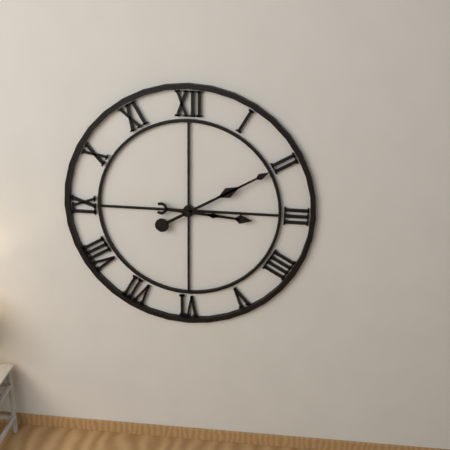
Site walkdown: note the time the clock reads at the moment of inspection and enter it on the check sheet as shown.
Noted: 3:10
